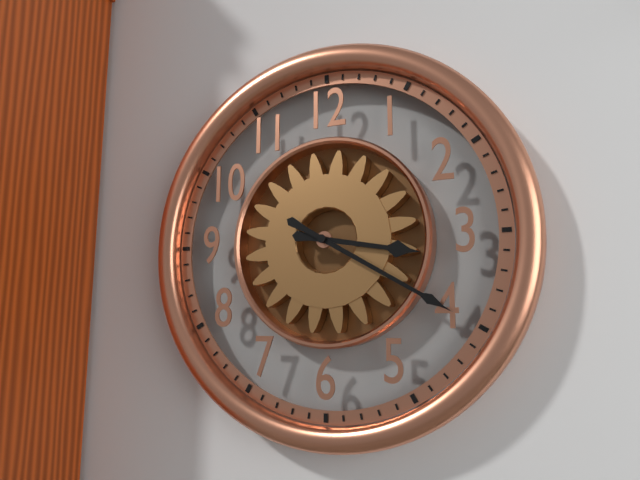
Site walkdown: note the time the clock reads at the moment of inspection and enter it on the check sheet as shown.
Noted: 3:20
